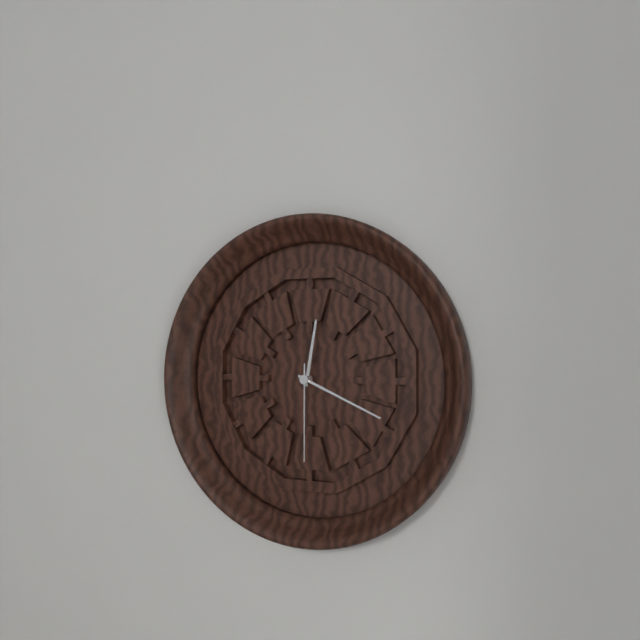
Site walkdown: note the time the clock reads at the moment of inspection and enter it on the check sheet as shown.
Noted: 12:19:30
